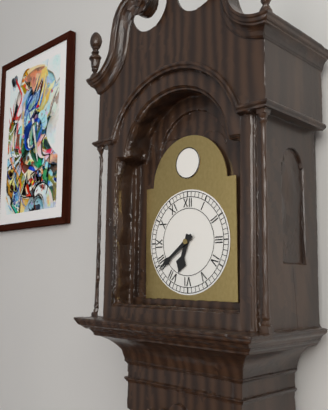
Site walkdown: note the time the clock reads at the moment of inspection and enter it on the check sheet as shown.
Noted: 6:39
